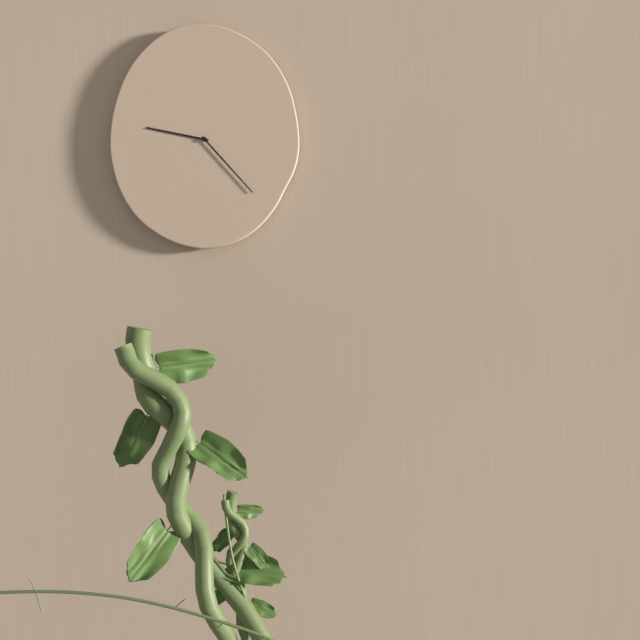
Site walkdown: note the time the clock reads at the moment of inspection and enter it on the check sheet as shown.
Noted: 9:23
